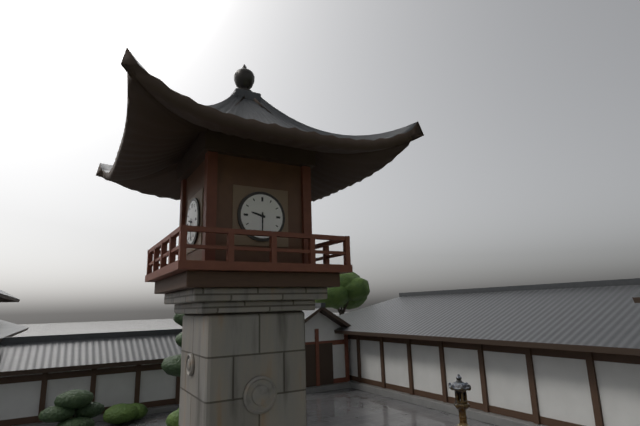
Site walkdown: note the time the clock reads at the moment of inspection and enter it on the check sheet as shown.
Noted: 9:30
